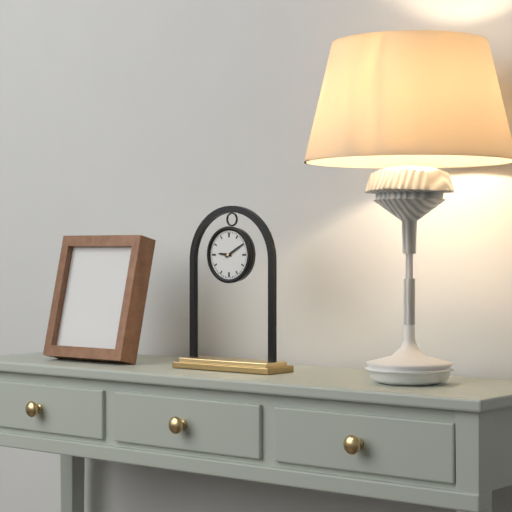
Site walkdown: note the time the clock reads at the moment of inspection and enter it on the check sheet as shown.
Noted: 9:10
